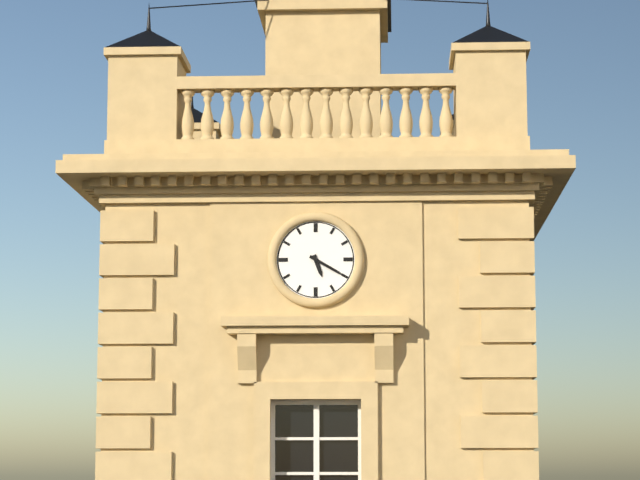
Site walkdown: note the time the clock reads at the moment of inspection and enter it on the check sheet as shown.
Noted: 5:20
